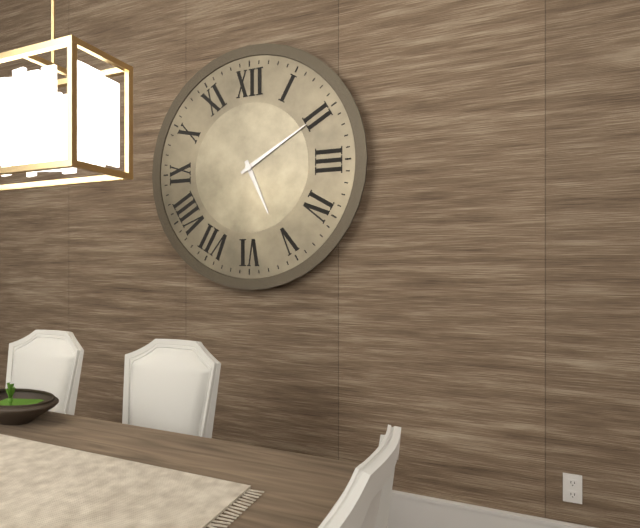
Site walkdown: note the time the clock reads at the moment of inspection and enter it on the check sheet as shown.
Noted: 5:10
